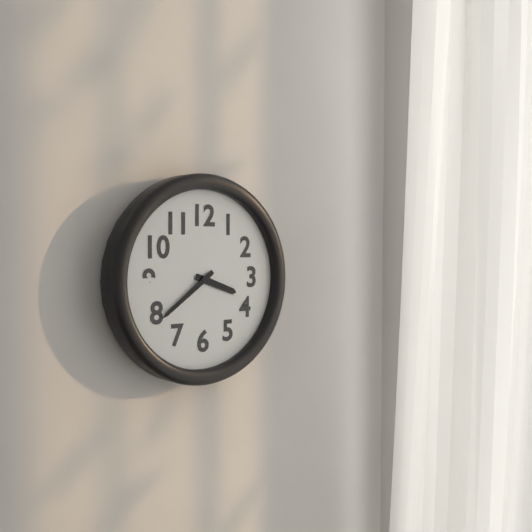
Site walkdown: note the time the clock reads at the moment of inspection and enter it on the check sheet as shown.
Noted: 3:39
